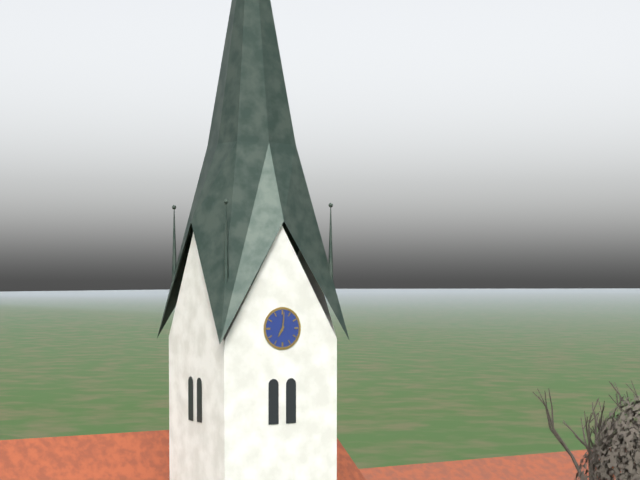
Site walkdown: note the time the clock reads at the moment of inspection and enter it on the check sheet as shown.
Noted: 7:01
